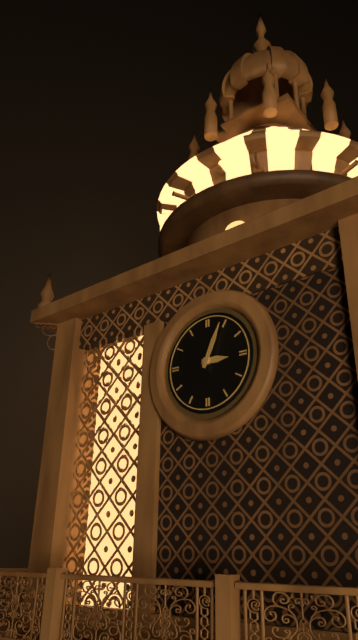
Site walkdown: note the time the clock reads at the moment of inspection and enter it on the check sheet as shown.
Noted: 3:04
